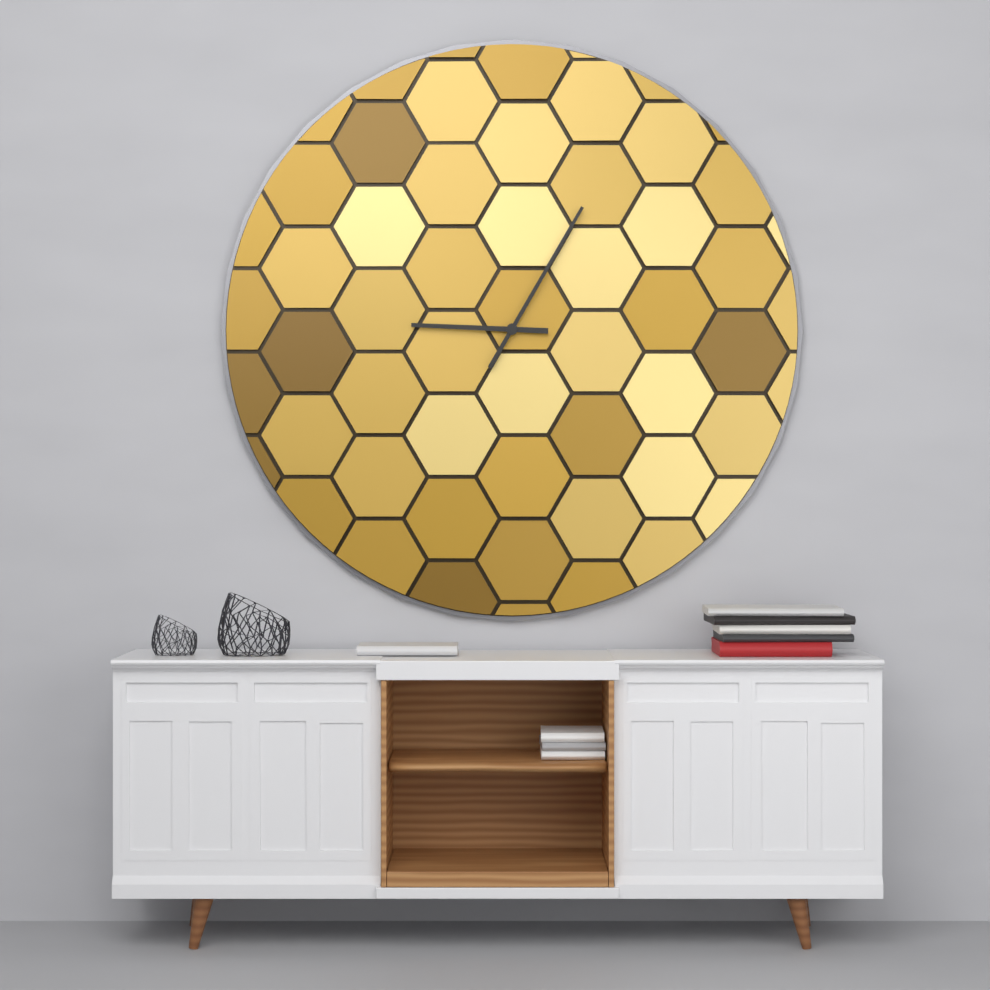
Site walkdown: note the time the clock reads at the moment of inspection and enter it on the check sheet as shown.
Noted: 9:05
